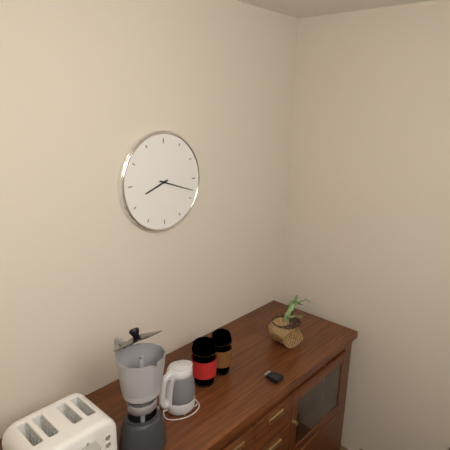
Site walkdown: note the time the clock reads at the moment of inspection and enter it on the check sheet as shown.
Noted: 8:18
